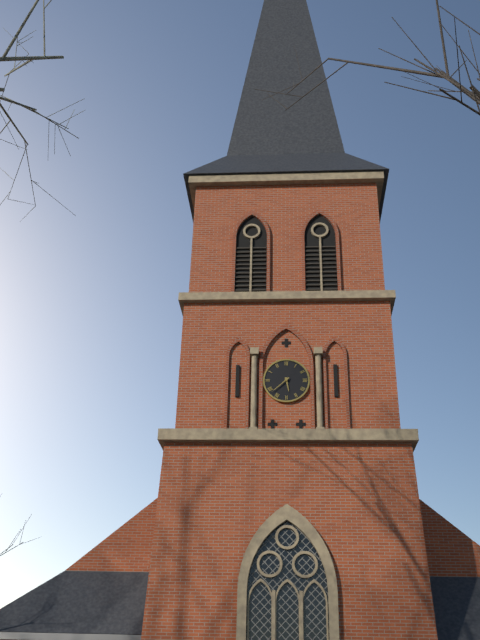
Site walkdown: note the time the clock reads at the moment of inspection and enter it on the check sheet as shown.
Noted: 5:38
